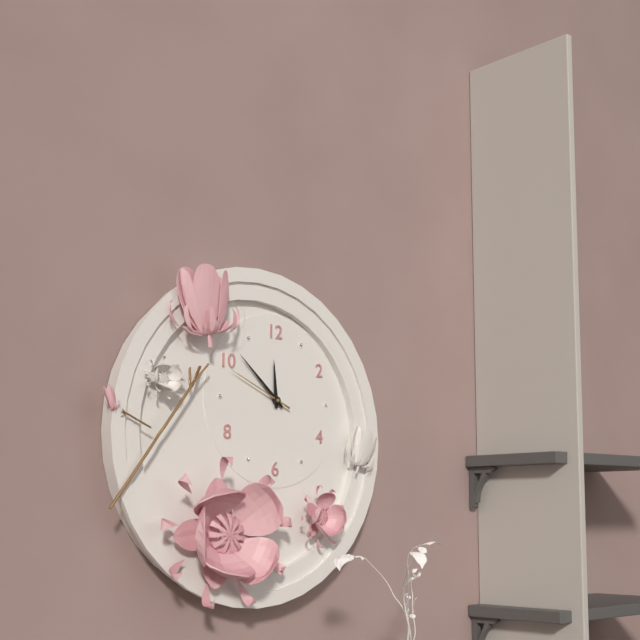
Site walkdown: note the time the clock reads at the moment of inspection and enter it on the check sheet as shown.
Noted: 11:52:49
